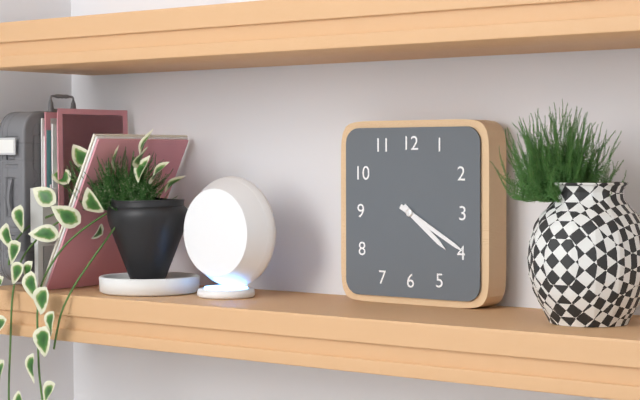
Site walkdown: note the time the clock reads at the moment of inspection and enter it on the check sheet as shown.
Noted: 4:20
